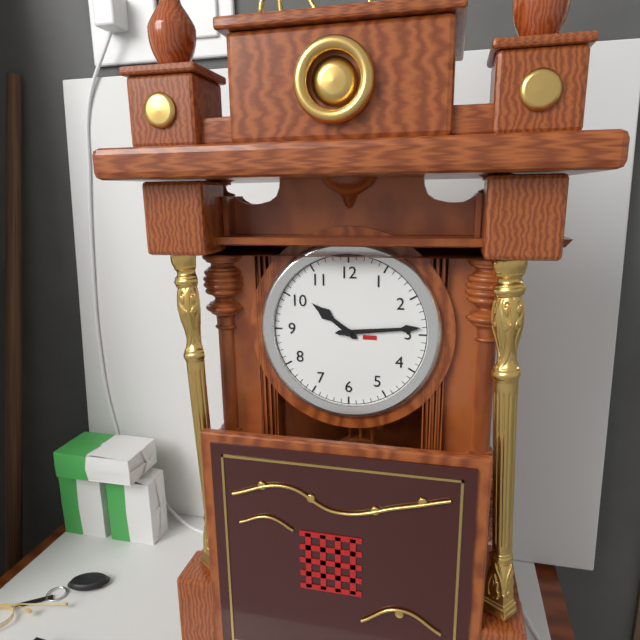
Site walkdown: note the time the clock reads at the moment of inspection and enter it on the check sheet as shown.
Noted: 10:14
